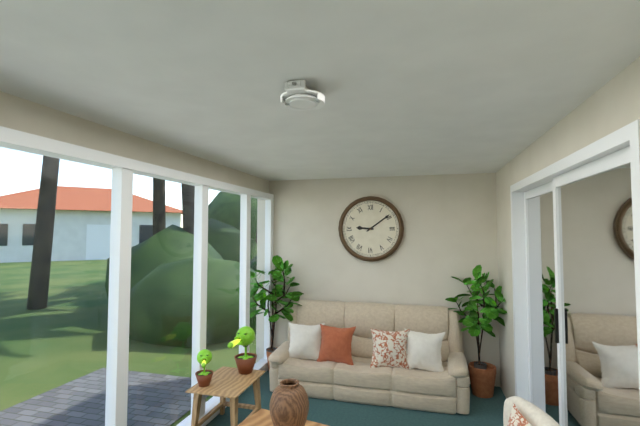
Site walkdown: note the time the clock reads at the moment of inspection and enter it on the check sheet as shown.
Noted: 9:09
